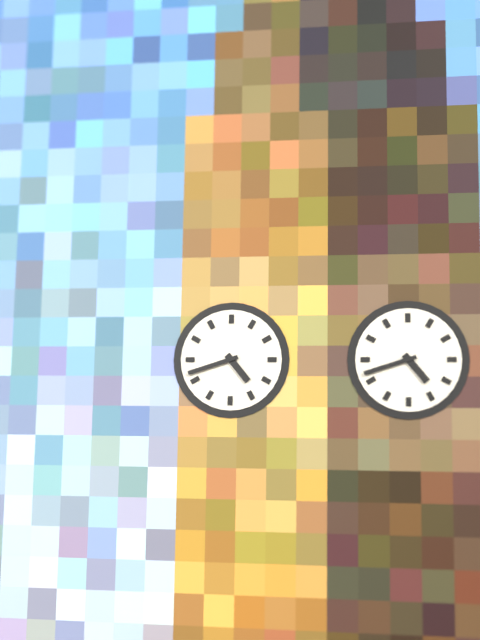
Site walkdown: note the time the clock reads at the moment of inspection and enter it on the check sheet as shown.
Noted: 4:42
